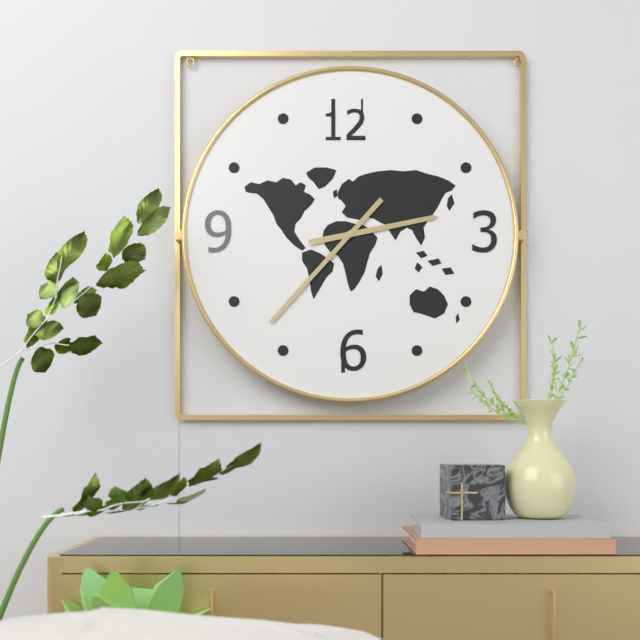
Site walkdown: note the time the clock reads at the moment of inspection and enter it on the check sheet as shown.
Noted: 2:37
